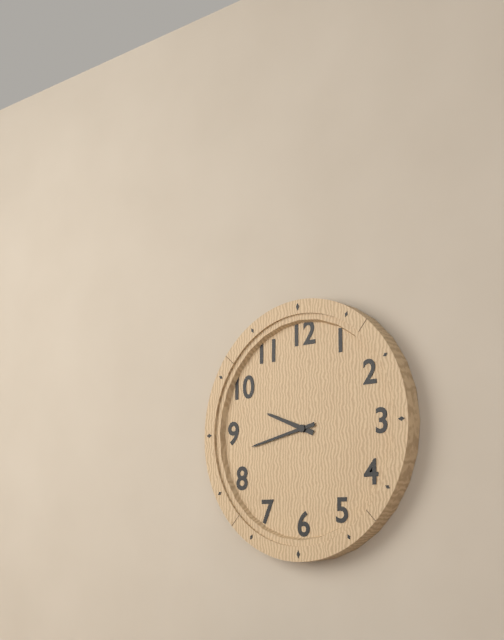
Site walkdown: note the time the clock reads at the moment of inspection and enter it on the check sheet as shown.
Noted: 9:43
